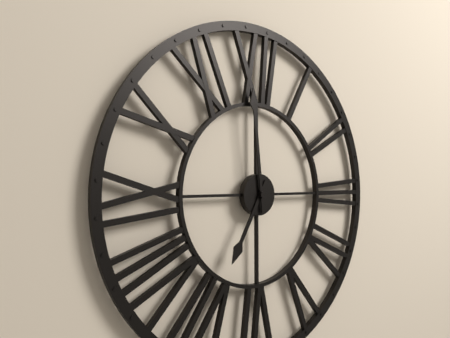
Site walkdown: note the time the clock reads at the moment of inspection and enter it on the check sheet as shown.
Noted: 6:59
